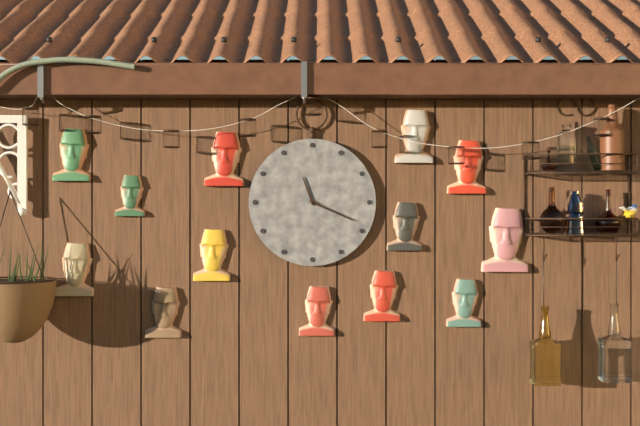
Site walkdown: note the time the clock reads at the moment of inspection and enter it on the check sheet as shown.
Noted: 11:19
